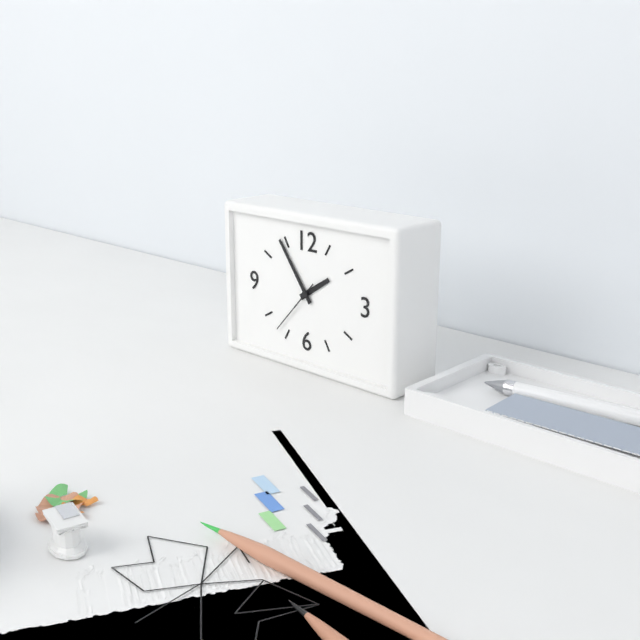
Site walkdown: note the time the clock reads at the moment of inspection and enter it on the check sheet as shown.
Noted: 1:54:37
